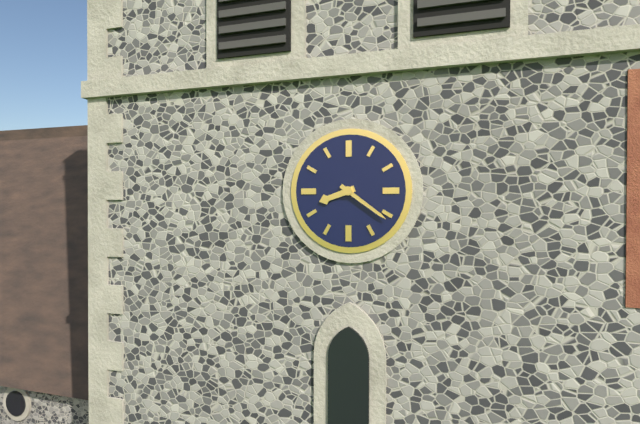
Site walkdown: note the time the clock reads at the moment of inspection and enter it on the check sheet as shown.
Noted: 8:21
